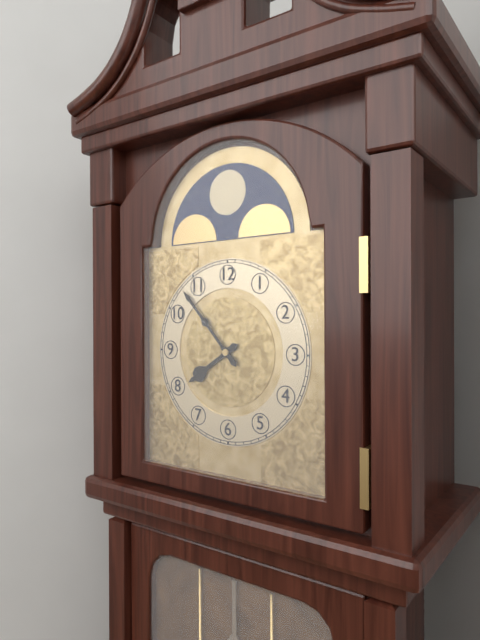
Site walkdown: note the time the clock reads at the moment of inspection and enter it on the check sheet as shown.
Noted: 7:53
